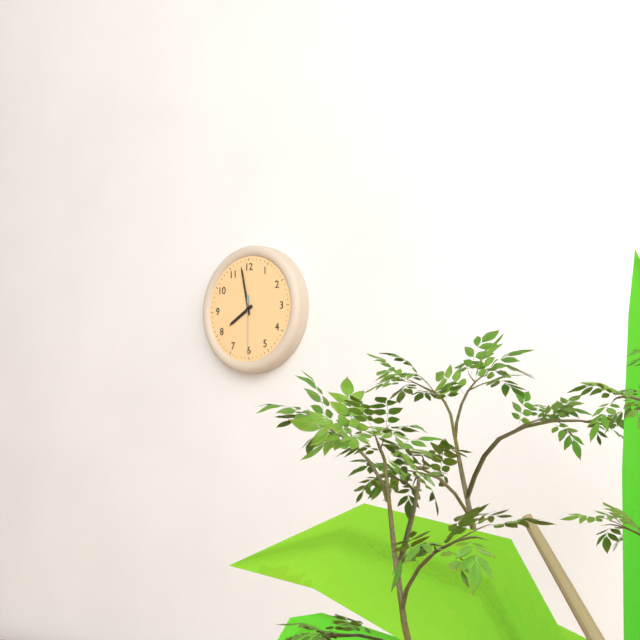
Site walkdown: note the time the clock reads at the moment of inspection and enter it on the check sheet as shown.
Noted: 7:58:30
